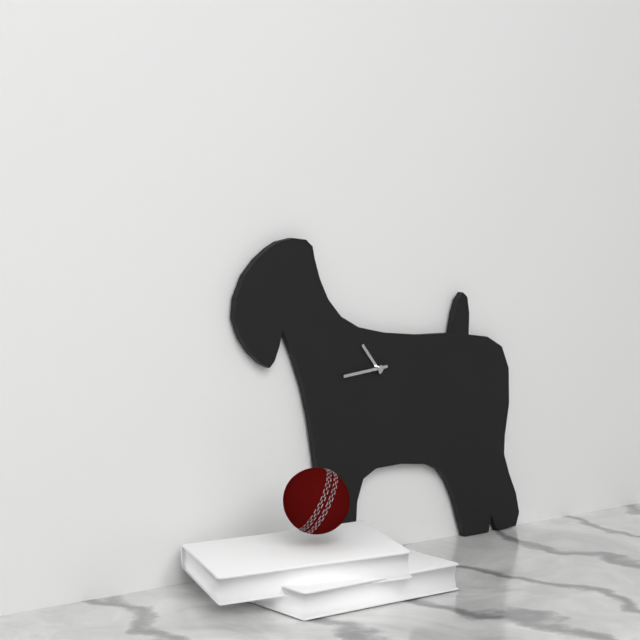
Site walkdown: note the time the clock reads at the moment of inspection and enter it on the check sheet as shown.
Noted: 10:44
